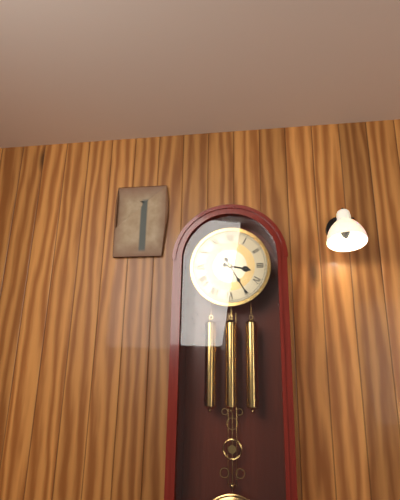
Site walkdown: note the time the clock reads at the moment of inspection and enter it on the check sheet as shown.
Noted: 3:25
